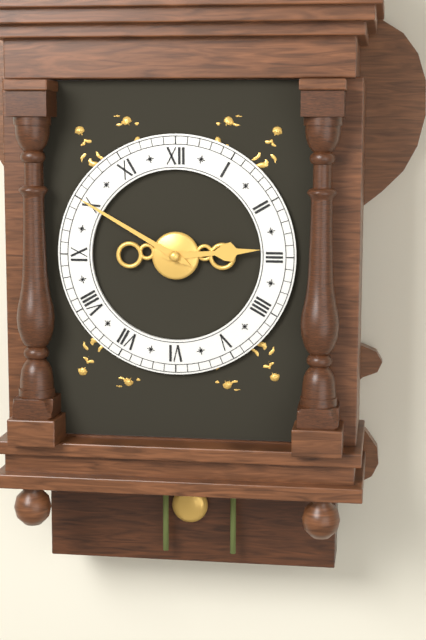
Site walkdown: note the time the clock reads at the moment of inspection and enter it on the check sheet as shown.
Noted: 2:50
